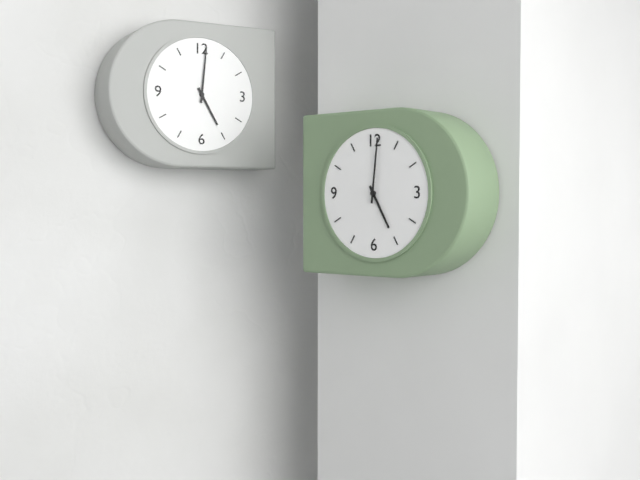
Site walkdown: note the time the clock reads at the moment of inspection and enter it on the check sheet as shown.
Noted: 5:01
